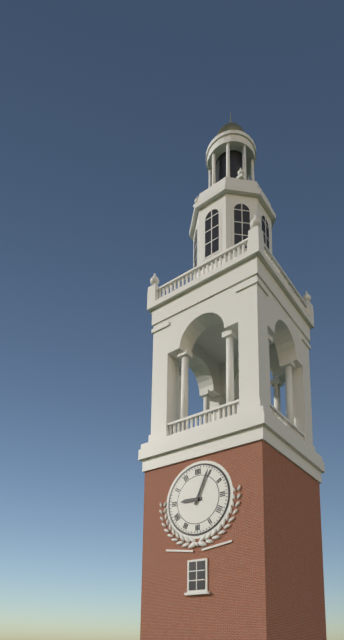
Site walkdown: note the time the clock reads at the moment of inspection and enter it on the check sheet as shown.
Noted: 9:04
